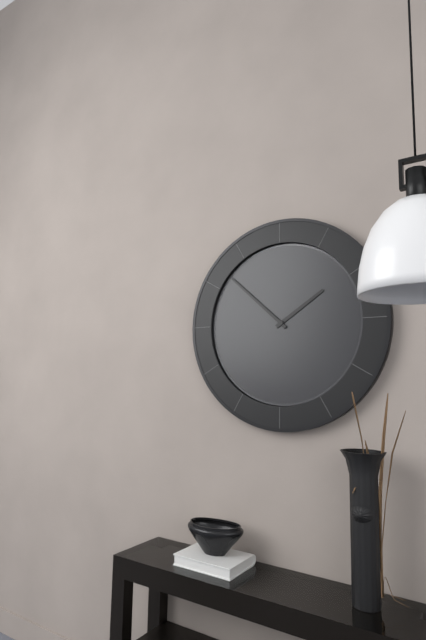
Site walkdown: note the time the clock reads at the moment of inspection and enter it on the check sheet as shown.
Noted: 1:52
